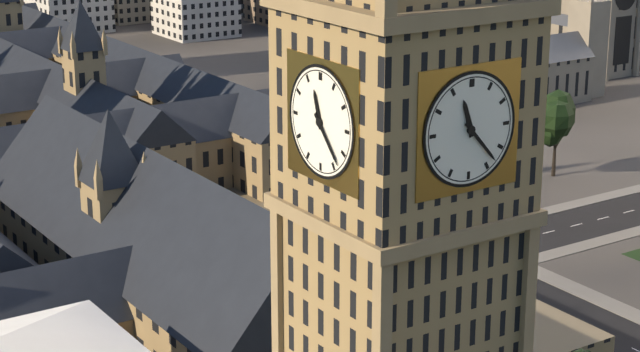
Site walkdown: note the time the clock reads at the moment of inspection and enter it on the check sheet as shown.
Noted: 11:23
